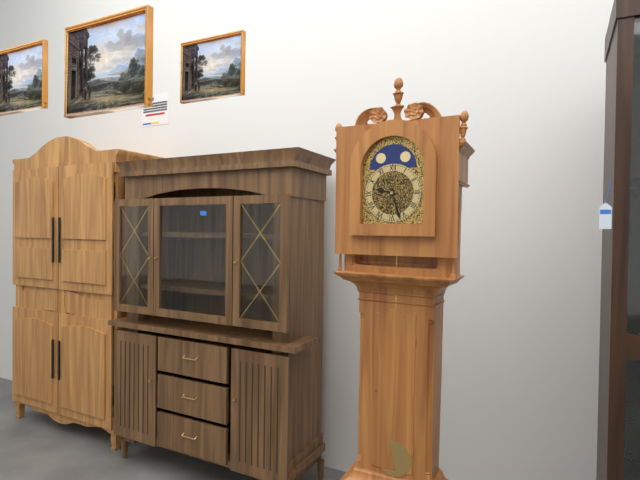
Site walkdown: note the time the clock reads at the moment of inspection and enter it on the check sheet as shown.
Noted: 9:27
